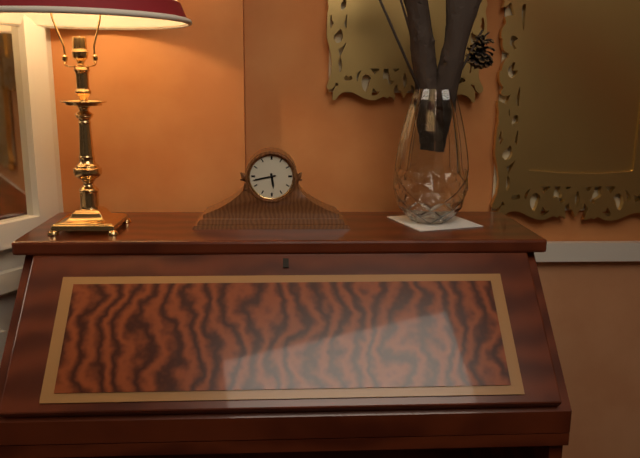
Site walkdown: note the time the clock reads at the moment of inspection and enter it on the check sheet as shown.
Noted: 5:43
